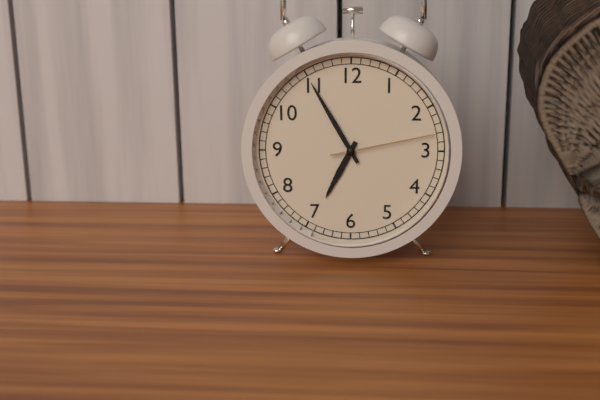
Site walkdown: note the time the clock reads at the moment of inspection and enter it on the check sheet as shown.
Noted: 6:55:13
